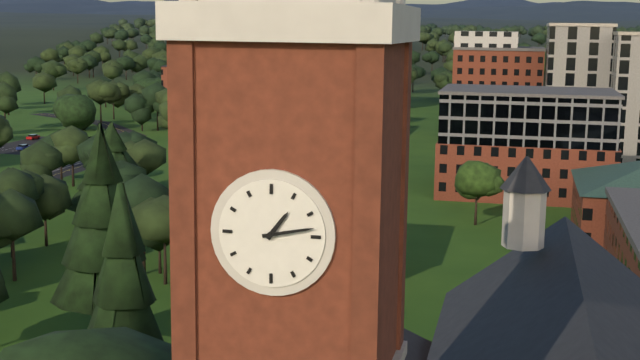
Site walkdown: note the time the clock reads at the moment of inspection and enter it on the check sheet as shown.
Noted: 1:13
